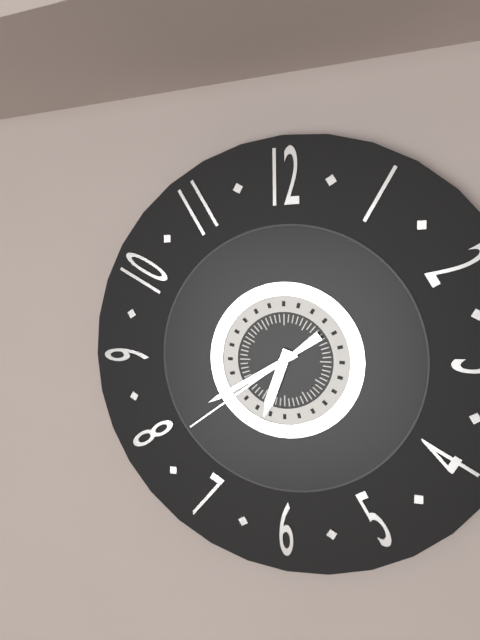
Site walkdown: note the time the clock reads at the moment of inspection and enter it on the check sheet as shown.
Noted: 6:40:39
